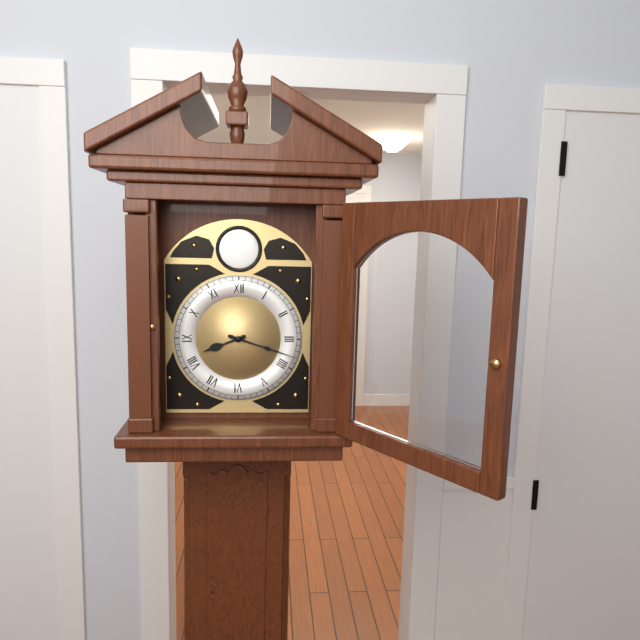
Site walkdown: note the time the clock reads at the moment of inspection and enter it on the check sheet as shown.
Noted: 8:18
